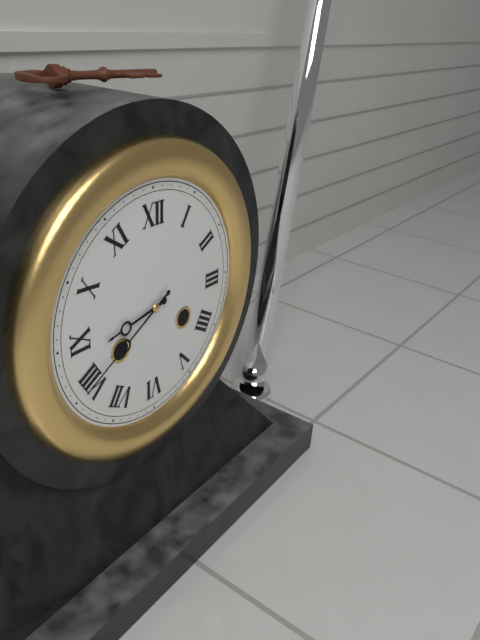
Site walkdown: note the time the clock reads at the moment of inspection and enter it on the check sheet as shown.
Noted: 8:40
